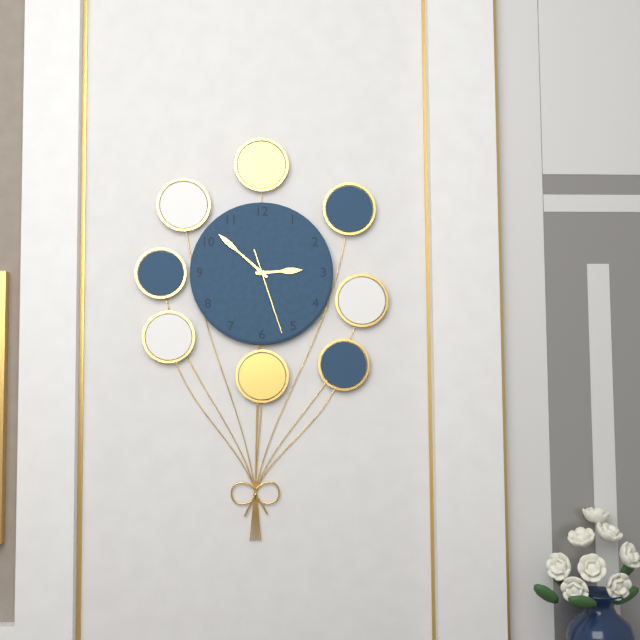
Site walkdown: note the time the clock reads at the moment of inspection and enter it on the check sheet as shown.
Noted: 2:52:27
